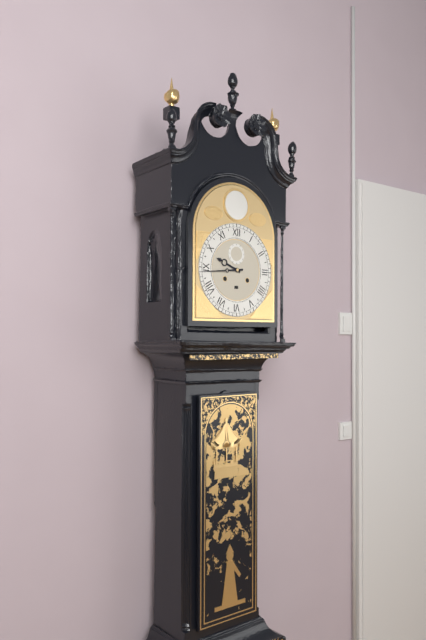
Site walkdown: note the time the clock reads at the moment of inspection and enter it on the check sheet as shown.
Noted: 9:44
